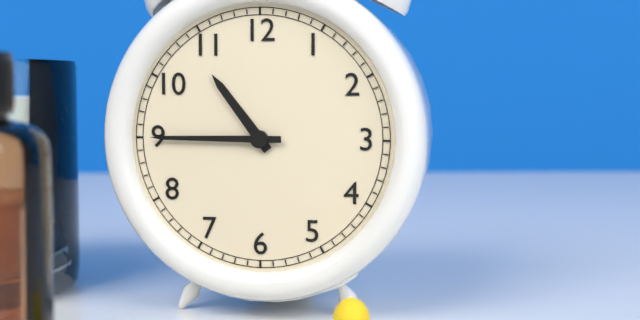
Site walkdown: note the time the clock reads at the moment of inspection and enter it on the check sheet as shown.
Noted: 10:45
